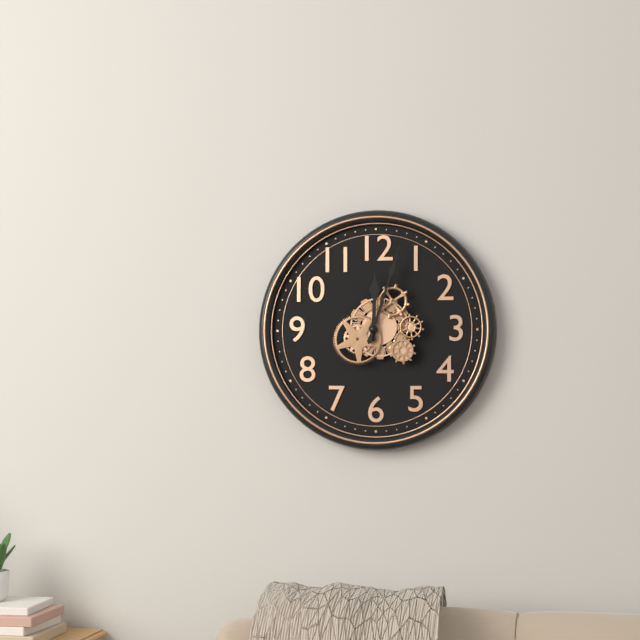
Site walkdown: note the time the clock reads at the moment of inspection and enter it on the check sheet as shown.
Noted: 12:03
